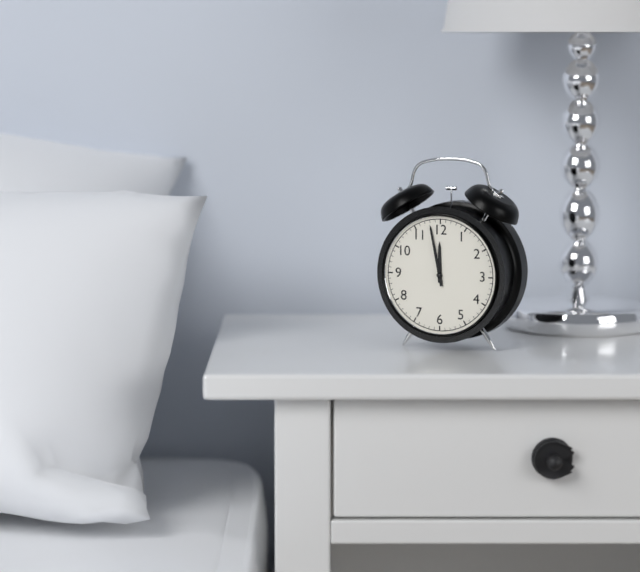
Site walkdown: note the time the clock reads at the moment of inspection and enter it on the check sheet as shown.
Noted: 11:58
